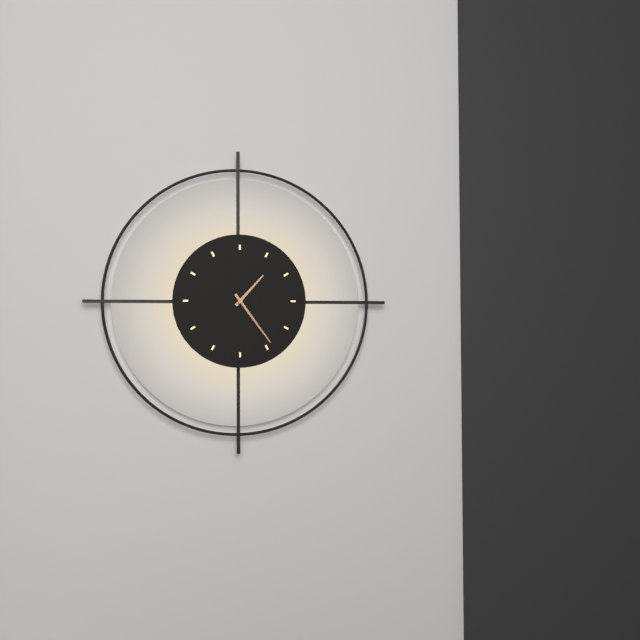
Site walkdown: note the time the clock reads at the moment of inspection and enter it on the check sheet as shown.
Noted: 1:24
